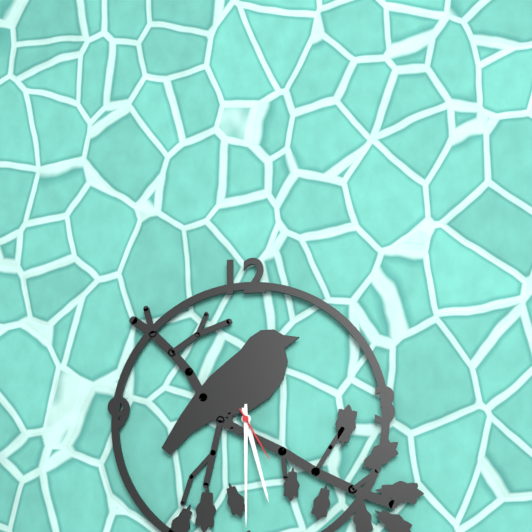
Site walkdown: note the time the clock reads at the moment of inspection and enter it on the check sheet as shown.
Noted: 5:30:25
